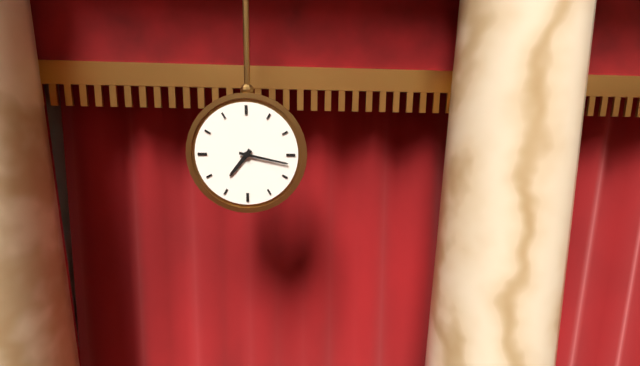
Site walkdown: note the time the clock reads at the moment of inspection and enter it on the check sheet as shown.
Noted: 7:17
